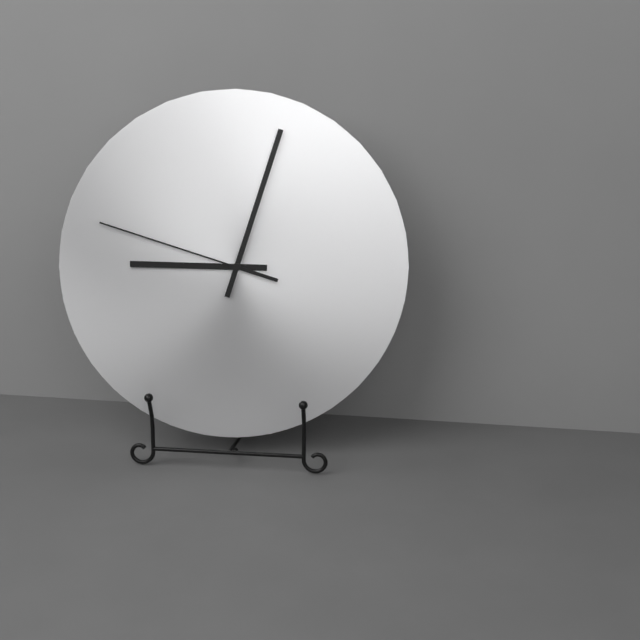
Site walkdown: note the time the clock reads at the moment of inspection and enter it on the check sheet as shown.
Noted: 9:03:48
